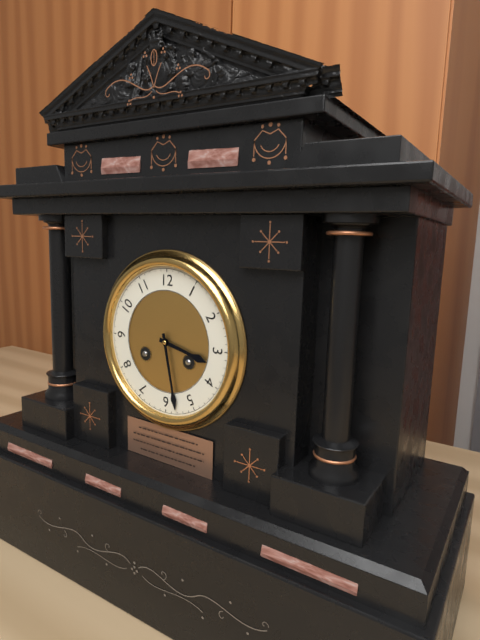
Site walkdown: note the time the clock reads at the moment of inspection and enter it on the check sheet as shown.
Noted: 3:28
